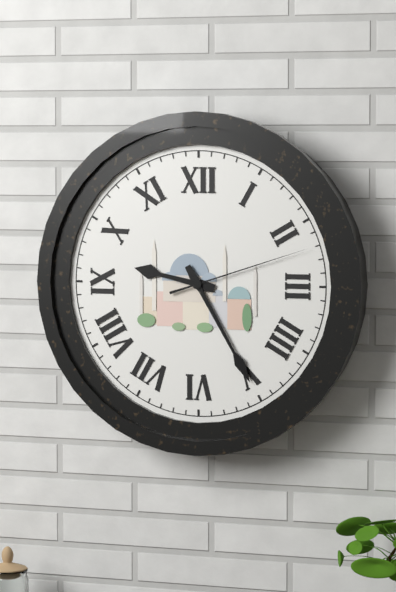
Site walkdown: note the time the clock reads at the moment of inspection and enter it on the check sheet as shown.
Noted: 9:25:12
